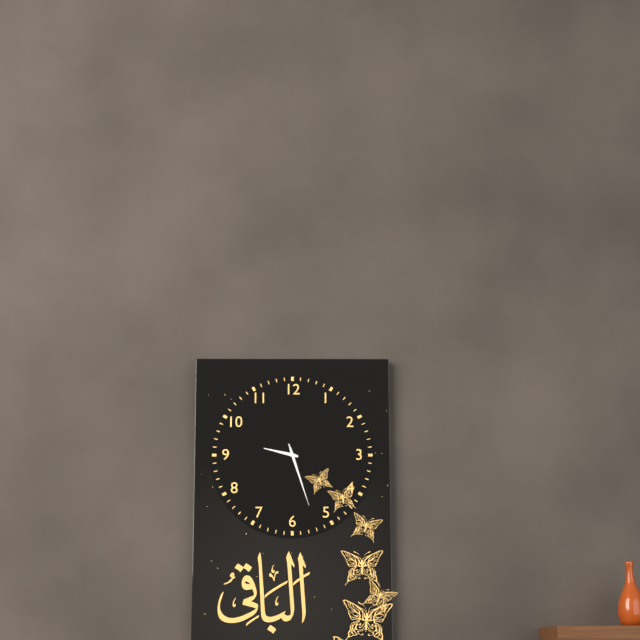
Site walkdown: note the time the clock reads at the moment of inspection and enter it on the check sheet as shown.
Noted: 9:27:27
